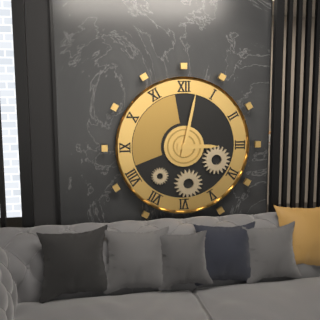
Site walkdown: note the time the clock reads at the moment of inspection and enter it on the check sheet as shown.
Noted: 3:02
